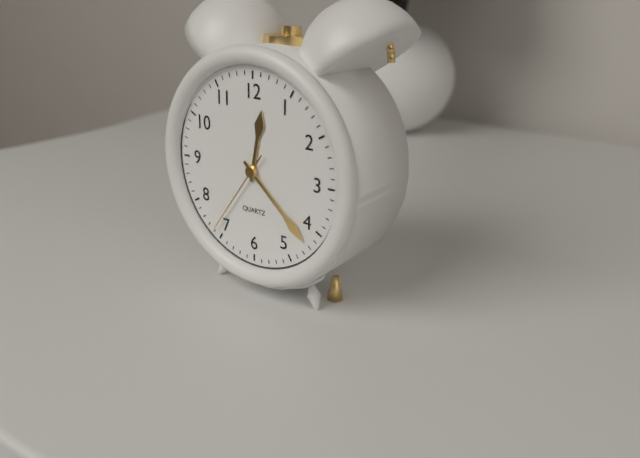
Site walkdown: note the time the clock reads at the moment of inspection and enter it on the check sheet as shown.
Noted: 12:22:36
